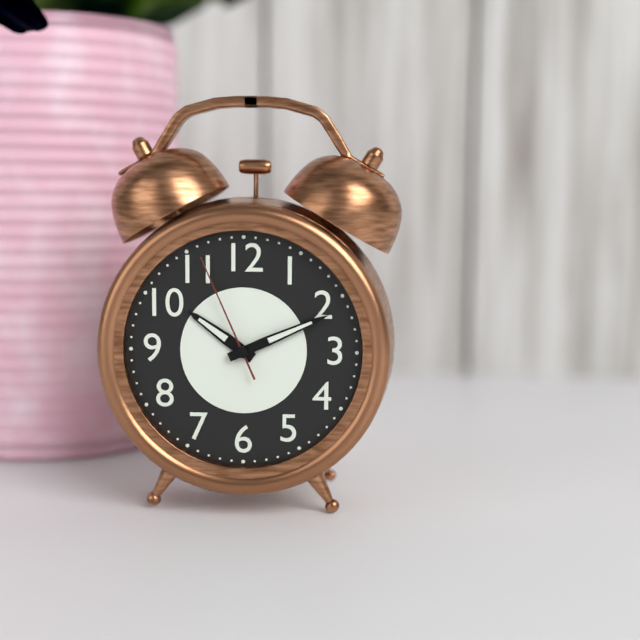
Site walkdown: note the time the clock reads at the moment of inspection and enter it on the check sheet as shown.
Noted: 10:11:56
